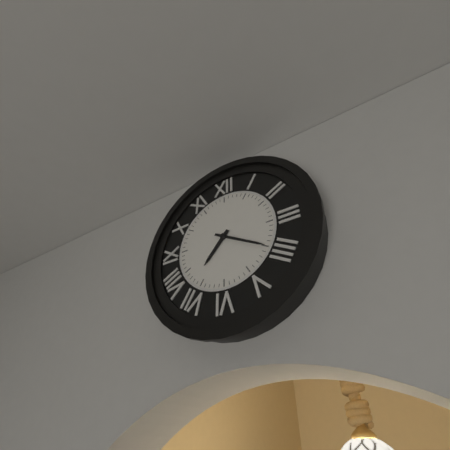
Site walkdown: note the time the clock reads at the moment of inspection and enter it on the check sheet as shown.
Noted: 7:20
